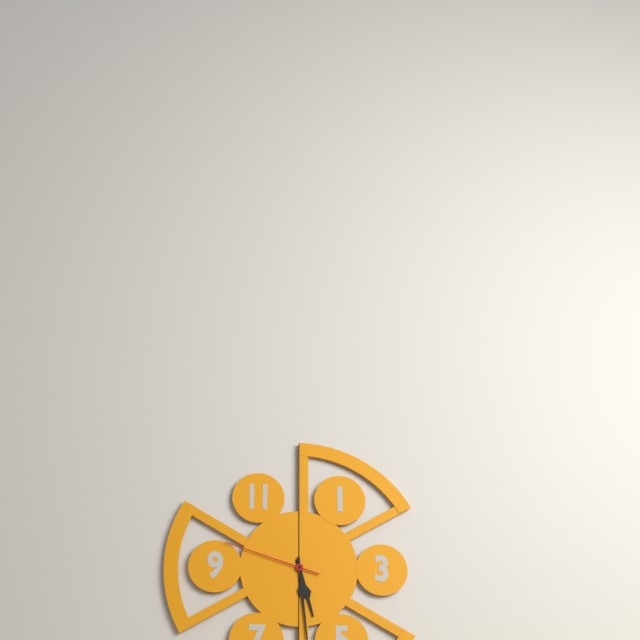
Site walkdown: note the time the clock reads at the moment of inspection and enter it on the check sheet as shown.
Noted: 5:29:48
